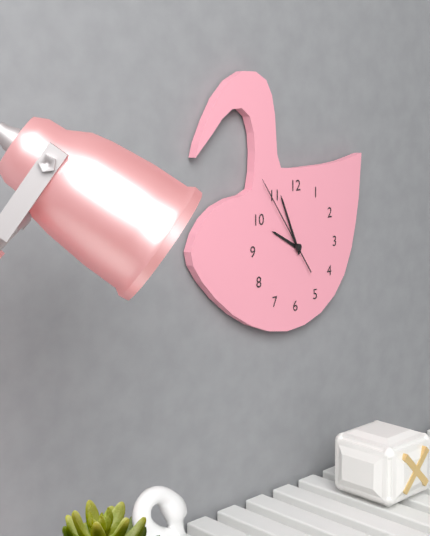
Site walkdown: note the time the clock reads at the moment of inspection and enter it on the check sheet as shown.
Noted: 9:56:54
